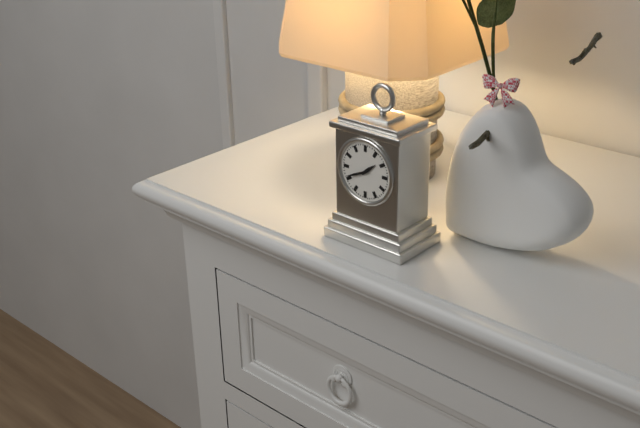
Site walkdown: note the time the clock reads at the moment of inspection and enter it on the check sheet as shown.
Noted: 1:41
